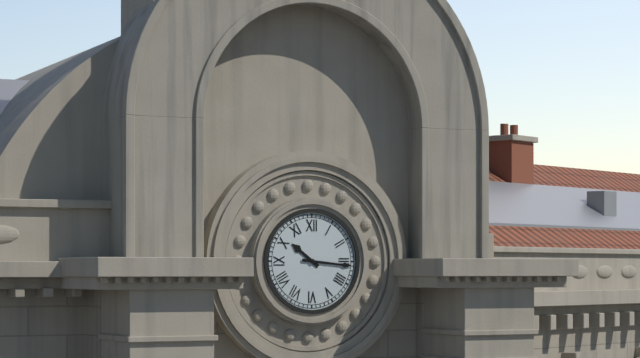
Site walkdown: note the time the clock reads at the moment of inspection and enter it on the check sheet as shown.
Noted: 10:16
